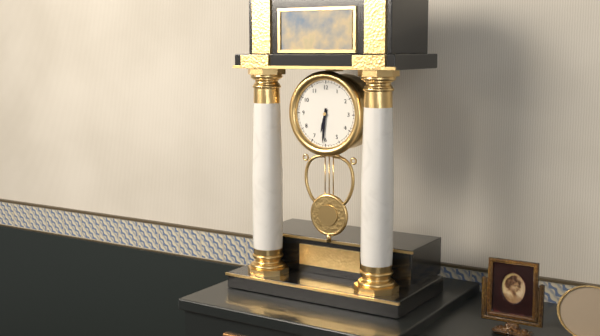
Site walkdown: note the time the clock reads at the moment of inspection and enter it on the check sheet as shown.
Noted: 6:31
